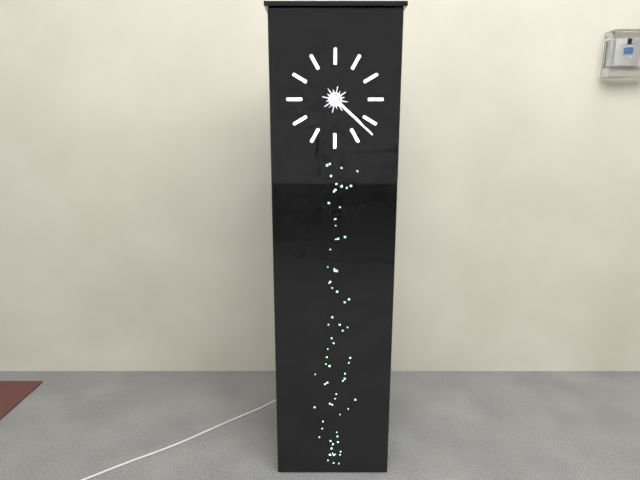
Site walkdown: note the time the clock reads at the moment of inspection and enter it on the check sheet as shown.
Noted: 4:22
